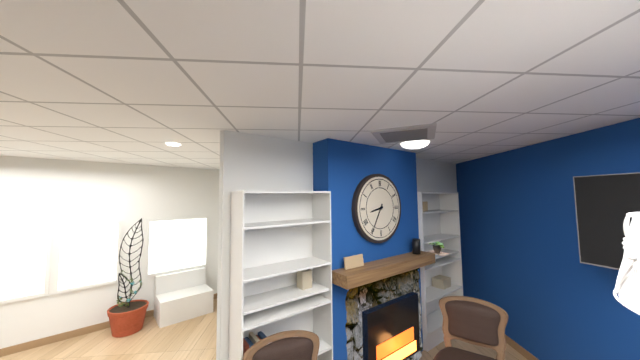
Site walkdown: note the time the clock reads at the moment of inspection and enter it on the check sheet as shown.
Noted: 8:35
